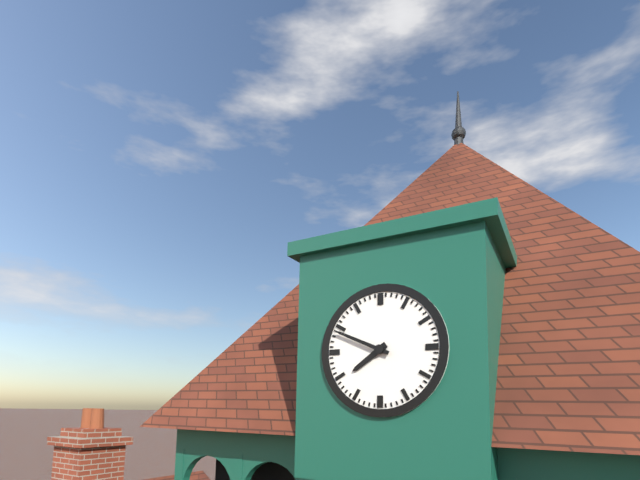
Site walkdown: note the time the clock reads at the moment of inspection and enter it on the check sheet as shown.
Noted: 7:49
